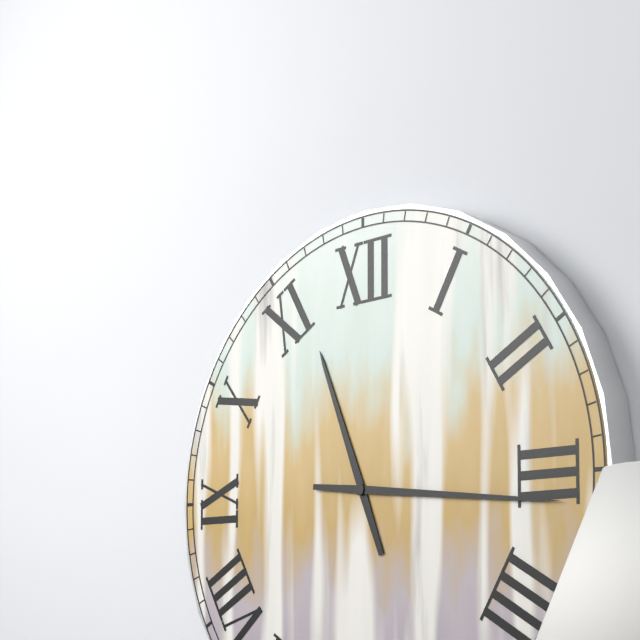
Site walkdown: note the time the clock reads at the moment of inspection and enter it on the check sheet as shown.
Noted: 11:16
